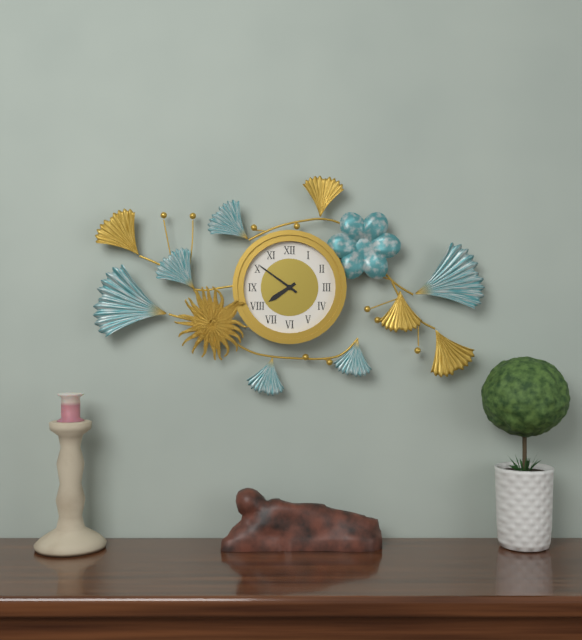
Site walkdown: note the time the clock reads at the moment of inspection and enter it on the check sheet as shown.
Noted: 7:51
